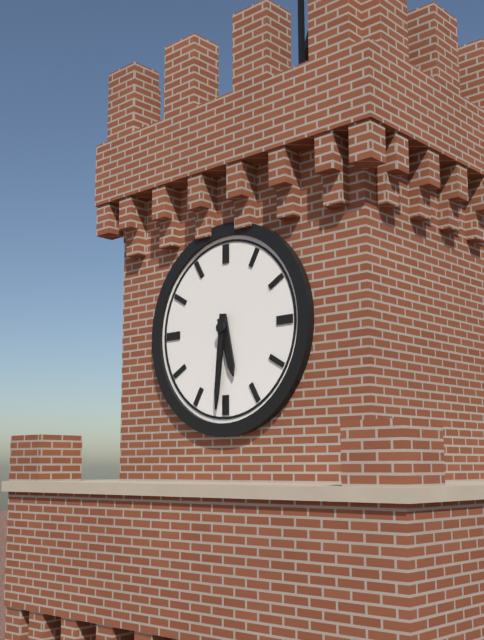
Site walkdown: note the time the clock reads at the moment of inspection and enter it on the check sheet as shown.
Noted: 5:31
